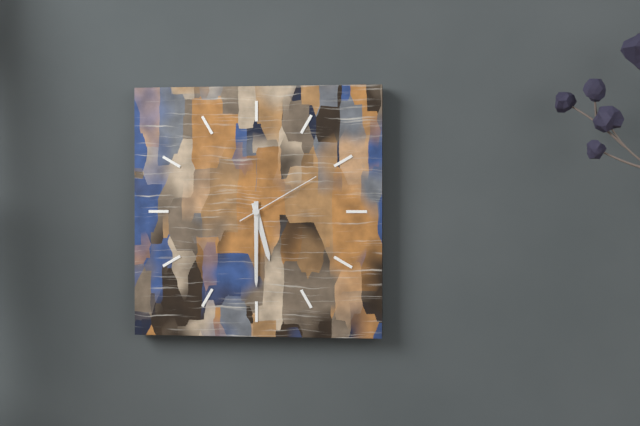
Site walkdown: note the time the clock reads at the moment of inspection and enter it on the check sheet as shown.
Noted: 5:30:10
